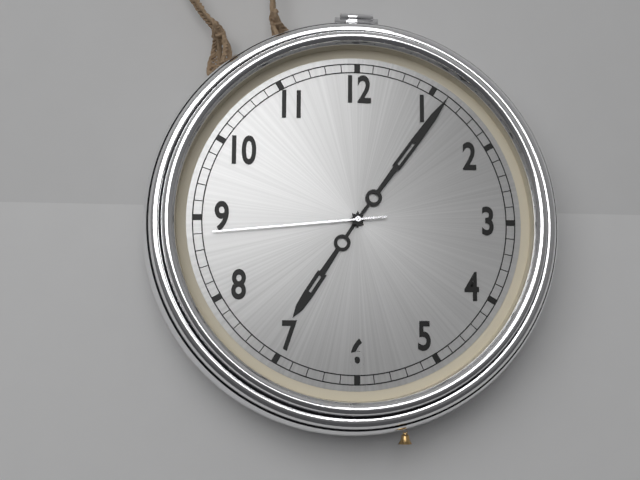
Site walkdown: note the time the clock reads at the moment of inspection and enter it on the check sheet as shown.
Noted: 7:06:44
